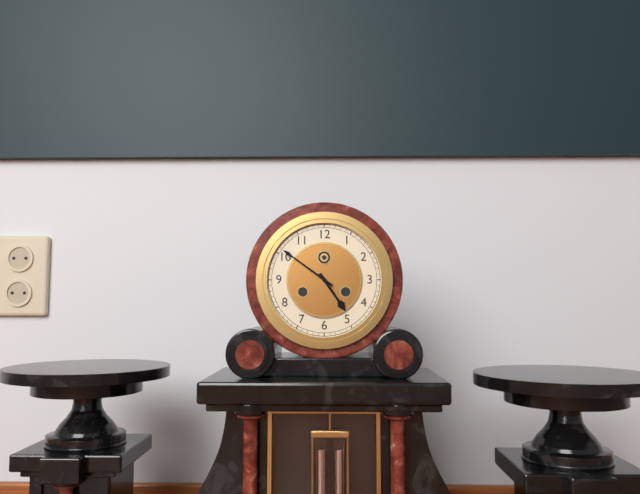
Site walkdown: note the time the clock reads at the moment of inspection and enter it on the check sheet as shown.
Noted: 4:51
